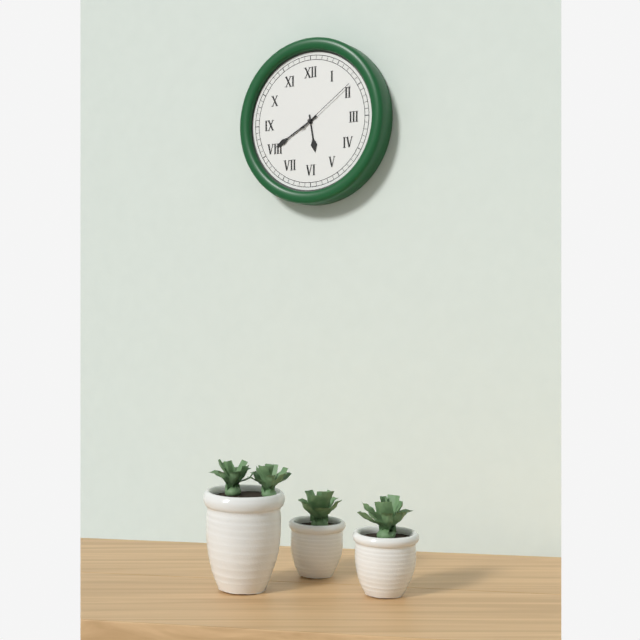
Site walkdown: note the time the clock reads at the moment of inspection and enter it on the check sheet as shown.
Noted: 5:40:09
